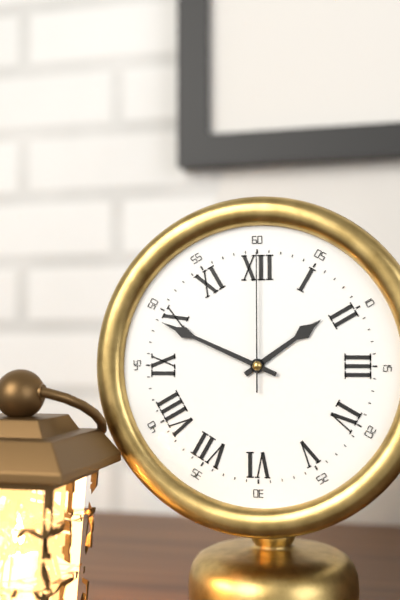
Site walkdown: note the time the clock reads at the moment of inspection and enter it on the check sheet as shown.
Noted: 1:49:00
